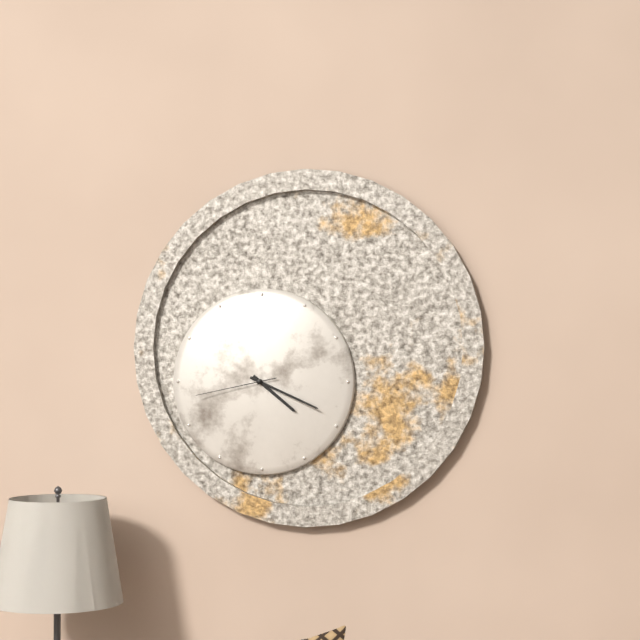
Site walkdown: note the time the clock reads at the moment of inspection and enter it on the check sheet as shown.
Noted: 4:19:43
